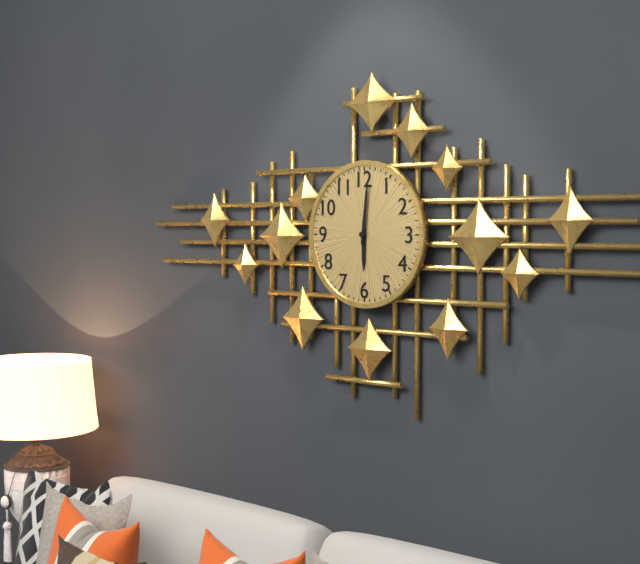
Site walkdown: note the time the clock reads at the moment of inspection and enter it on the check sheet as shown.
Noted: 6:01
